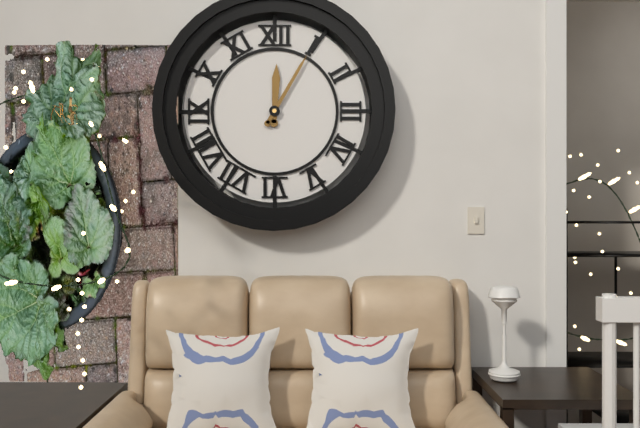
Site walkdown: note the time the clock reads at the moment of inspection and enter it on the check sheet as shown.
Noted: 12:05
